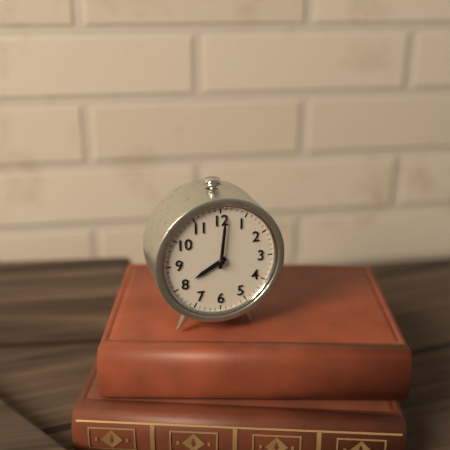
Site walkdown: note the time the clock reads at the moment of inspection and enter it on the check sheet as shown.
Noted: 8:01
